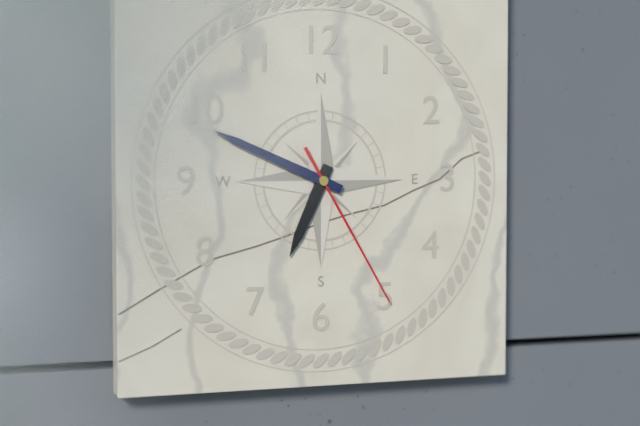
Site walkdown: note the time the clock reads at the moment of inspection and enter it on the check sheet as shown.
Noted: 6:49:25
